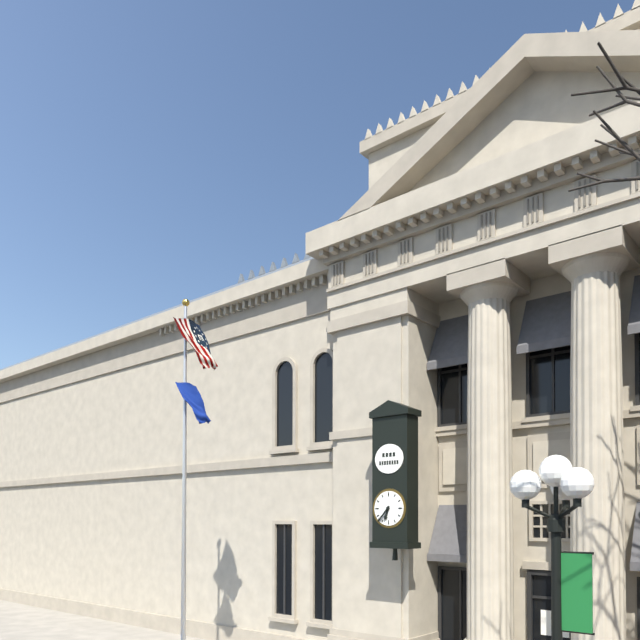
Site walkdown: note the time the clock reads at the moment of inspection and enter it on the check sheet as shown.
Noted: 6:37
